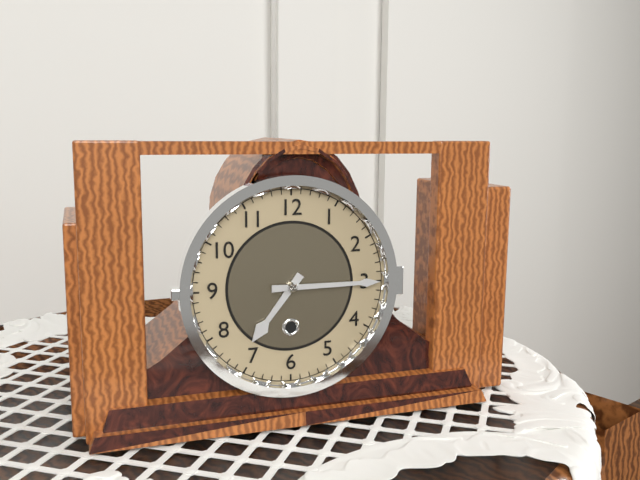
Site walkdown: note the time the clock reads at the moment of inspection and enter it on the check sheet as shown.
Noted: 7:15
